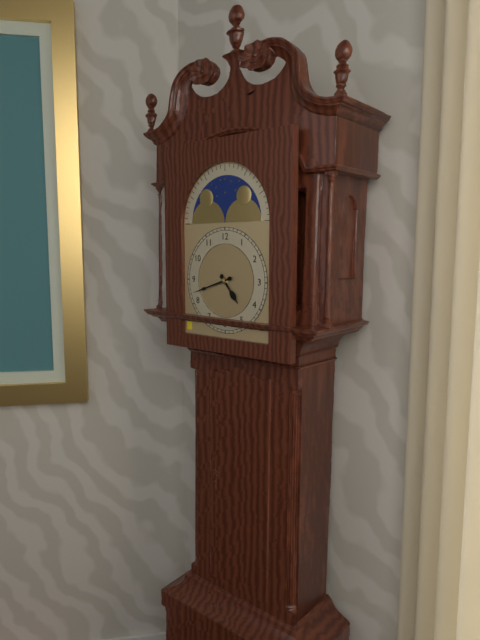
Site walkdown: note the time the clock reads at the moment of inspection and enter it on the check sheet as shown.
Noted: 4:42
